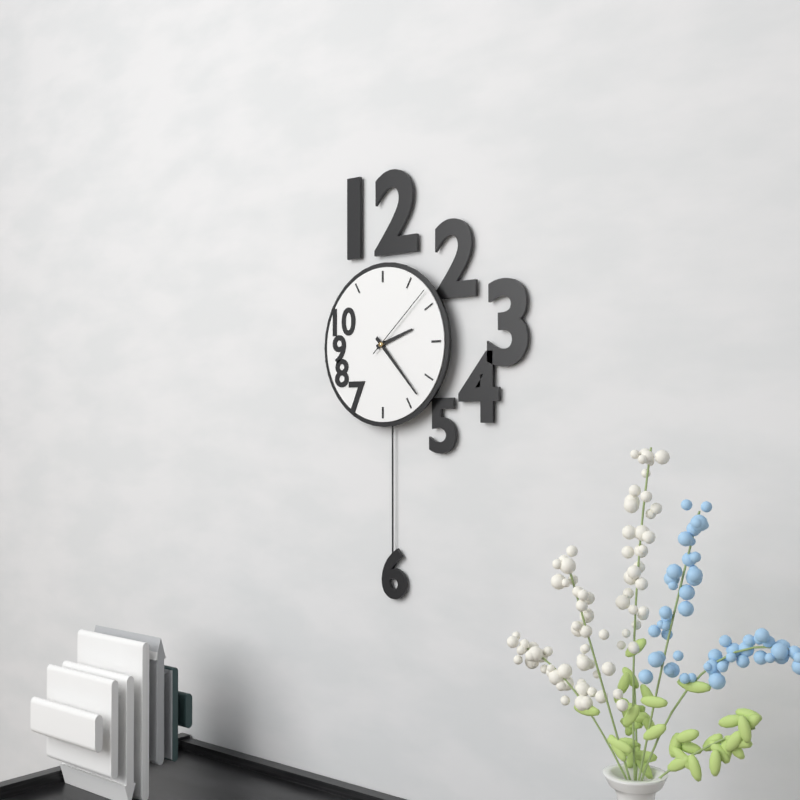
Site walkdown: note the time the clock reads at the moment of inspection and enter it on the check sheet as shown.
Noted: 2:23:08
